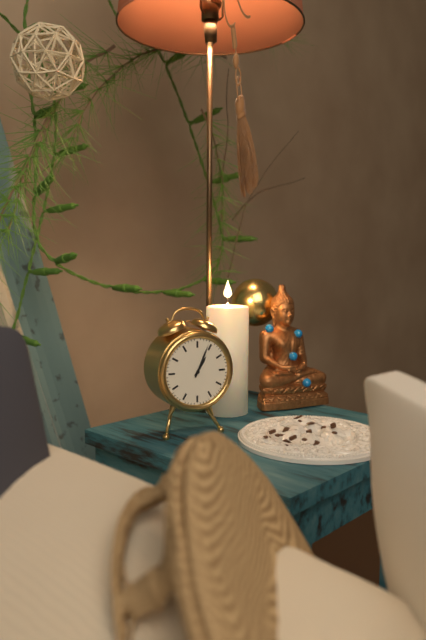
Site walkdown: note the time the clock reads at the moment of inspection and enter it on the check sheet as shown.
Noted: 1:04
